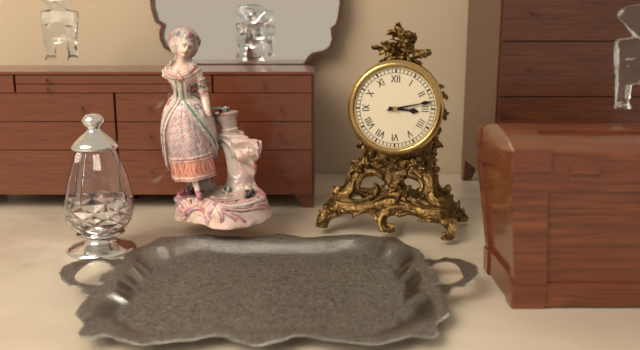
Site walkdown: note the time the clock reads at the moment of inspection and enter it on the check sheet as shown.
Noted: 3:13
